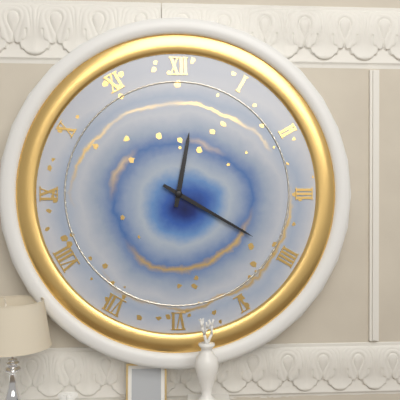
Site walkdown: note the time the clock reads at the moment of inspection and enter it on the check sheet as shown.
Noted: 12:20
